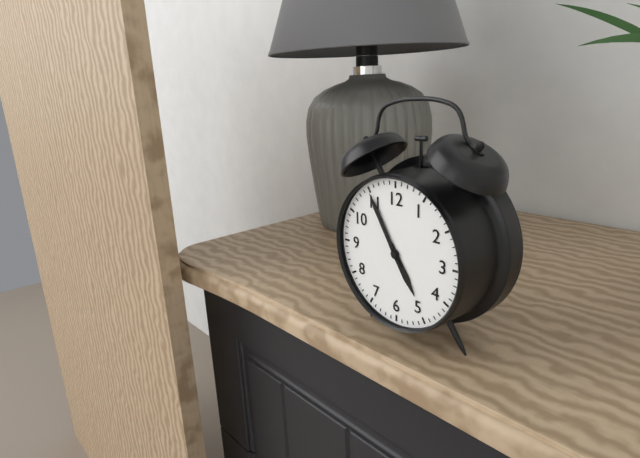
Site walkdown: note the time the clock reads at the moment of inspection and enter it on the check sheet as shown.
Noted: 4:55
